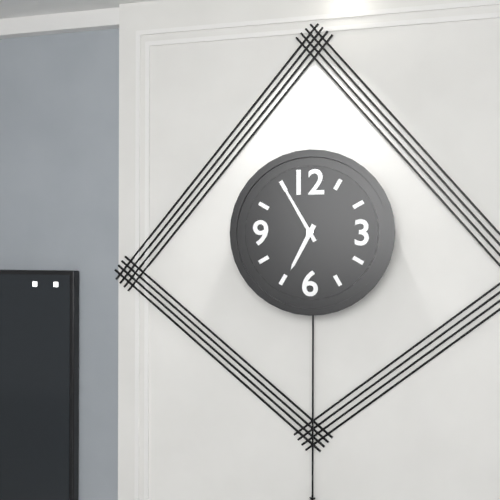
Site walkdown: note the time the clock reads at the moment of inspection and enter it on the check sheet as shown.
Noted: 6:55
